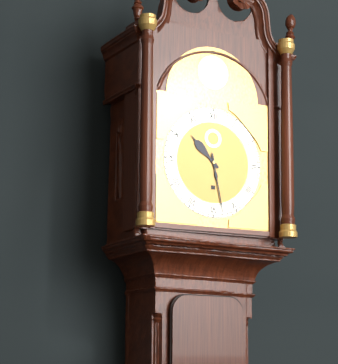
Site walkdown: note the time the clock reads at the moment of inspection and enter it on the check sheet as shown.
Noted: 10:28
